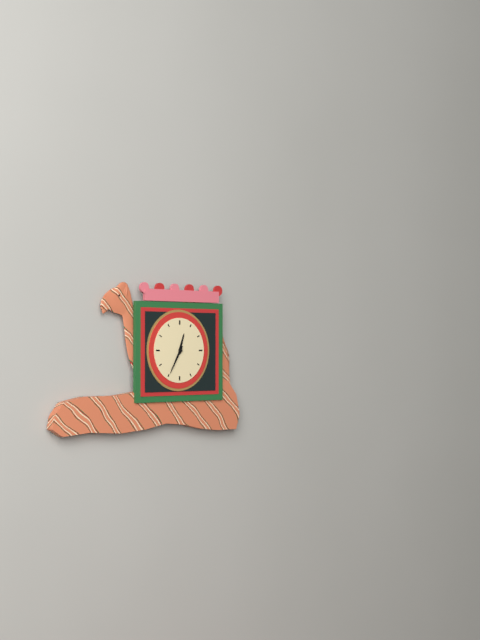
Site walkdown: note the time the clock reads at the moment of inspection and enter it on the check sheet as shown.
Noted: 12:35
